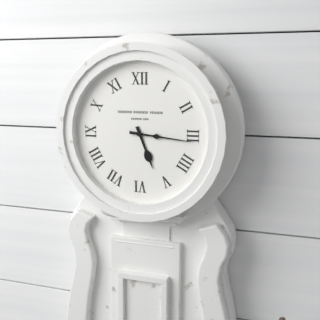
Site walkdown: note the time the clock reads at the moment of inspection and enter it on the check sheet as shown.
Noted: 5:16
